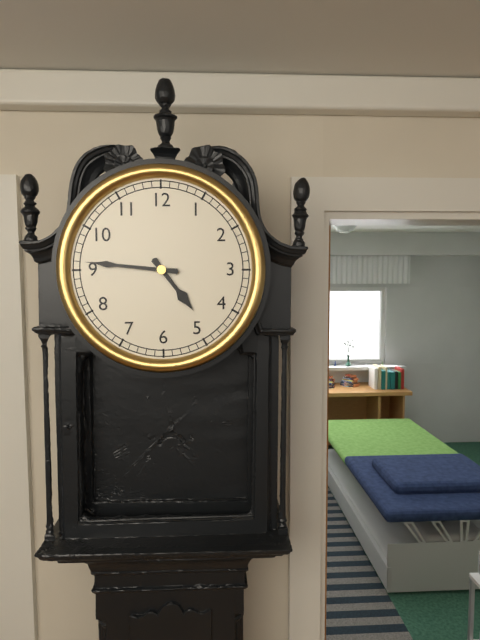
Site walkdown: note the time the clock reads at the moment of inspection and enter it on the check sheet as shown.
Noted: 4:46
